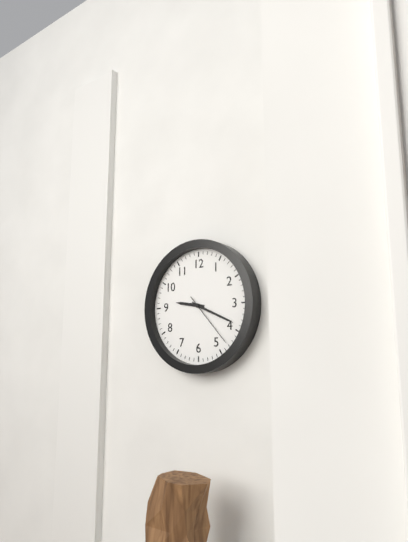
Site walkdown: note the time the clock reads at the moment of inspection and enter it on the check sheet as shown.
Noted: 9:19:23
